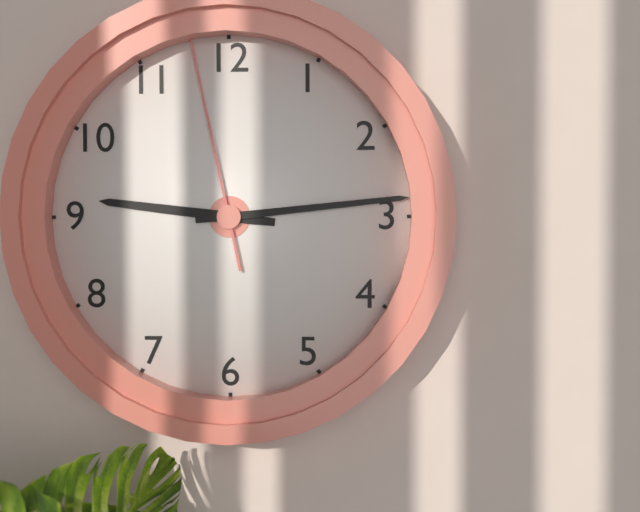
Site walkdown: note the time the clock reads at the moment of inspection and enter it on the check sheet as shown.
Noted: 9:14:58
